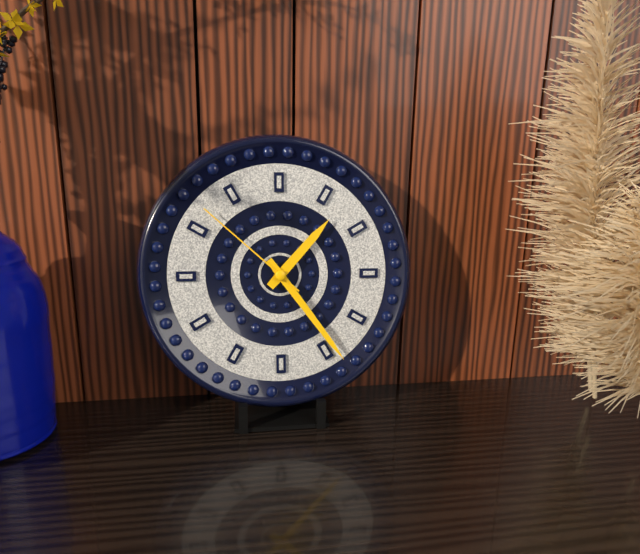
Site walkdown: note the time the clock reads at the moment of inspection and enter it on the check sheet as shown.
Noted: 1:24:52
